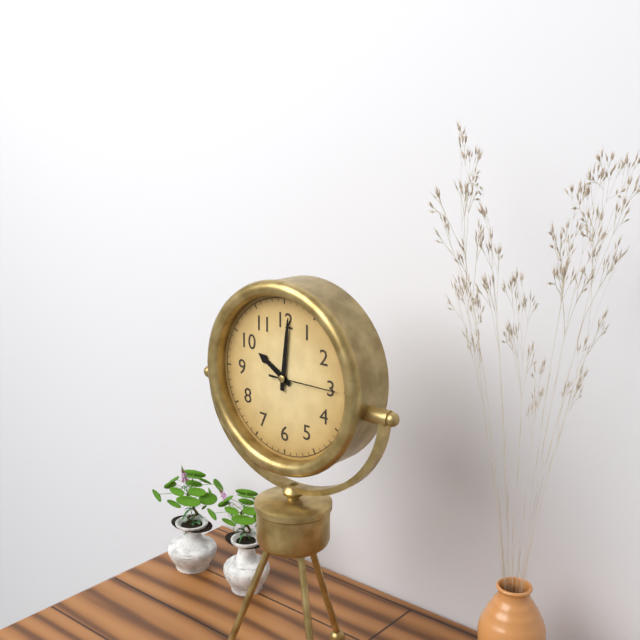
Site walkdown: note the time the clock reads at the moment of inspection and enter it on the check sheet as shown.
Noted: 10:01:15
